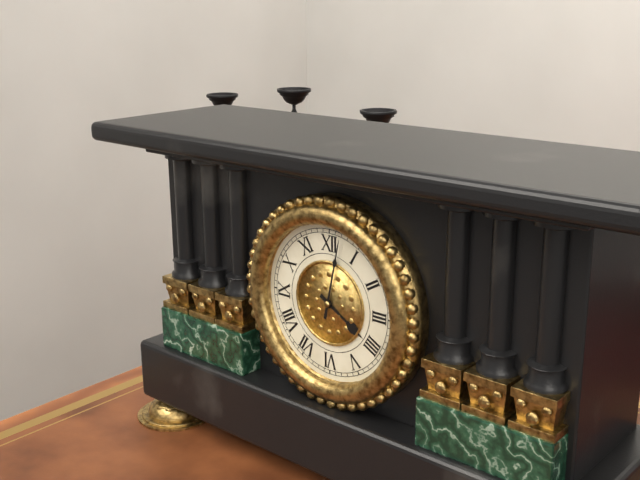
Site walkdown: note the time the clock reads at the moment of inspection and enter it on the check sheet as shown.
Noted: 4:02
